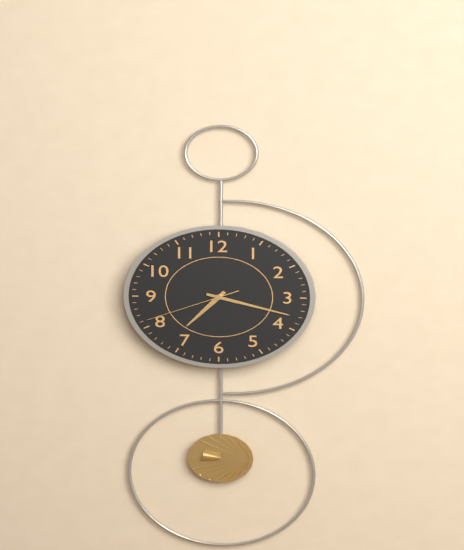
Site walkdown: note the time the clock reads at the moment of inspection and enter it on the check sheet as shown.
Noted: 7:18:41
